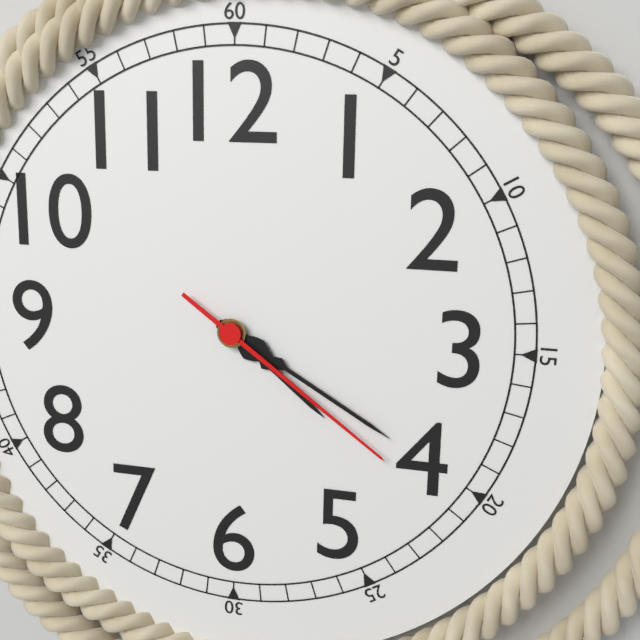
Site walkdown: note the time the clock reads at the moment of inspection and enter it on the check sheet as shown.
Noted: 4:20:21
